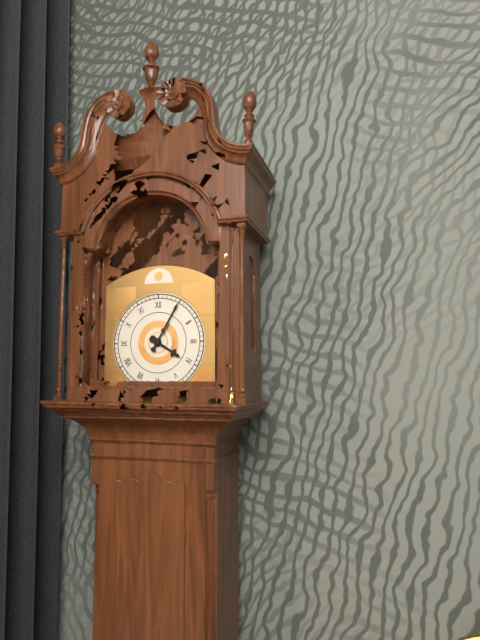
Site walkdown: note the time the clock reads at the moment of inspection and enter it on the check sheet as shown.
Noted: 4:05
